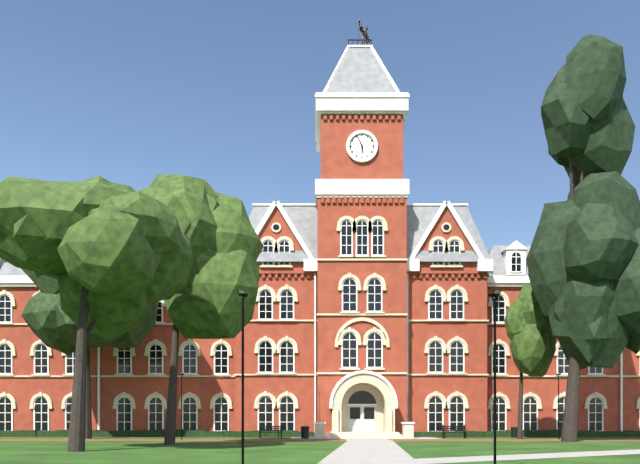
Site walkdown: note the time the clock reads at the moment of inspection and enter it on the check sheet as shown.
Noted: 5:56
